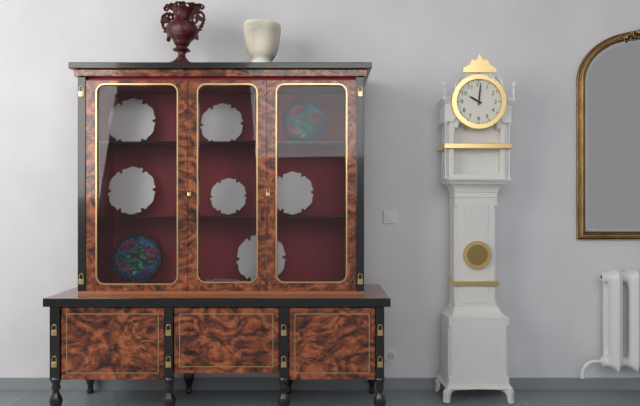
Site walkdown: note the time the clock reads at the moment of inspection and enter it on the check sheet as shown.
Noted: 10:01
